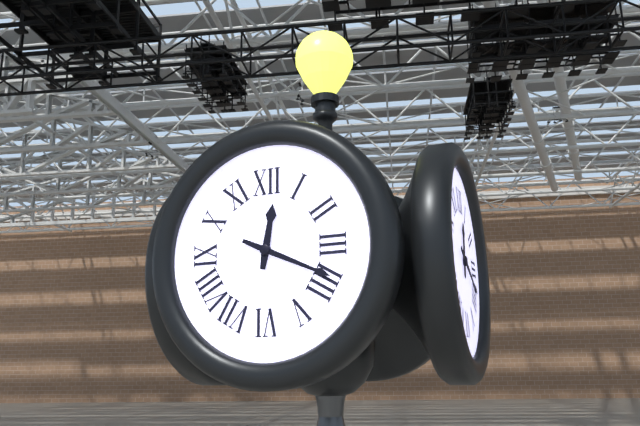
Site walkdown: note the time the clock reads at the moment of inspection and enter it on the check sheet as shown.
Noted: 12:19
